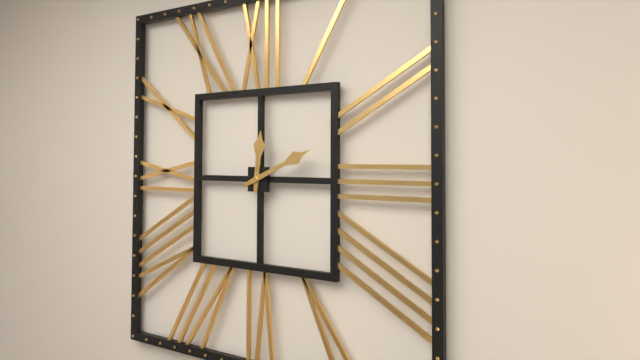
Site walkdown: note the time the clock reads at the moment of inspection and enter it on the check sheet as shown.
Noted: 12:11
